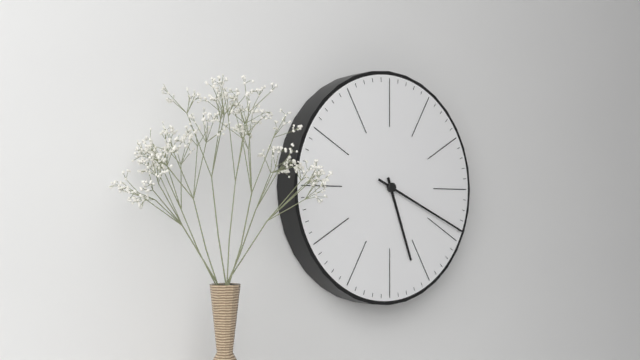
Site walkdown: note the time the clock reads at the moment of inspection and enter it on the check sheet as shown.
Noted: 5:19
